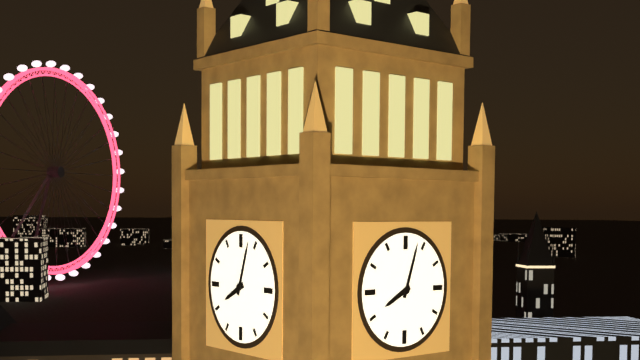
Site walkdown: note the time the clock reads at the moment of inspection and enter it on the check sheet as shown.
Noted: 8:03
